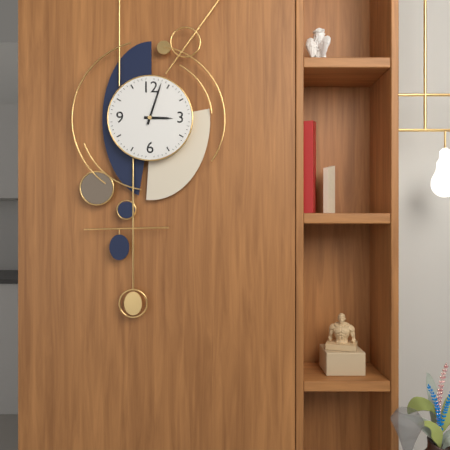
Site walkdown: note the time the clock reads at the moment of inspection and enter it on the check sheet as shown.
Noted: 3:03
